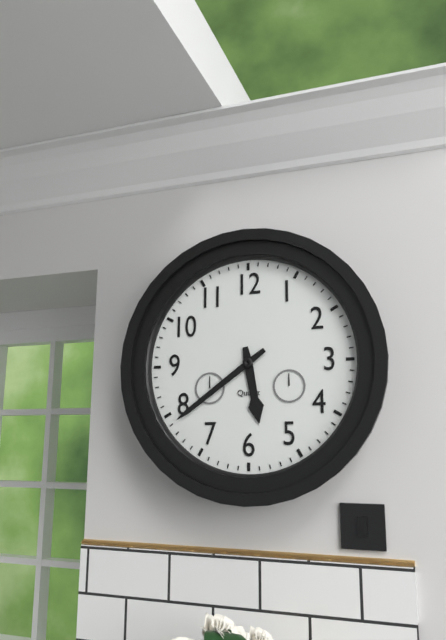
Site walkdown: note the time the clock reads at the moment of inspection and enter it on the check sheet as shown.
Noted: 5:39
